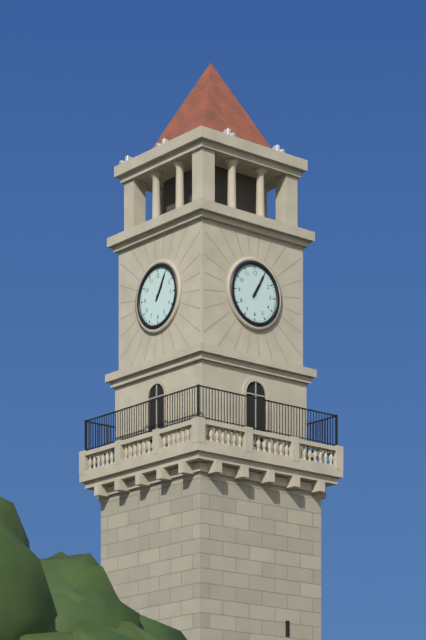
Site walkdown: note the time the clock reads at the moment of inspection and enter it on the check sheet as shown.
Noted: 1:05
